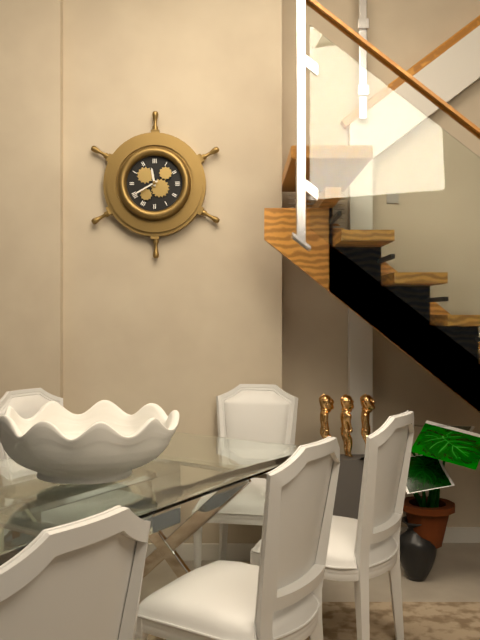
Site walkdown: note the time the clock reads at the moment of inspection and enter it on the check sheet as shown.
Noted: 11:40
